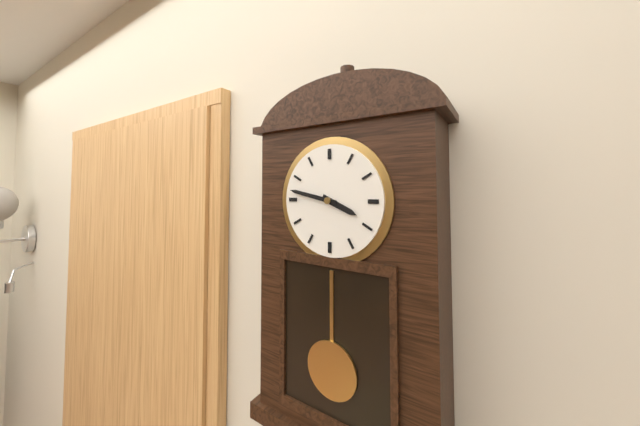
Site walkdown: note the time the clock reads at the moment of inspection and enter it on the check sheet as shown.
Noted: 3:47
